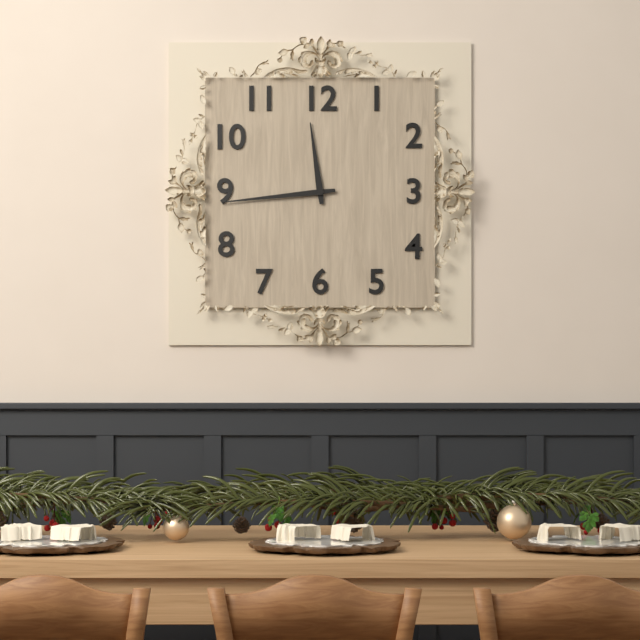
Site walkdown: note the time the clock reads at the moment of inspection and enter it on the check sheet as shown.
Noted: 11:44
